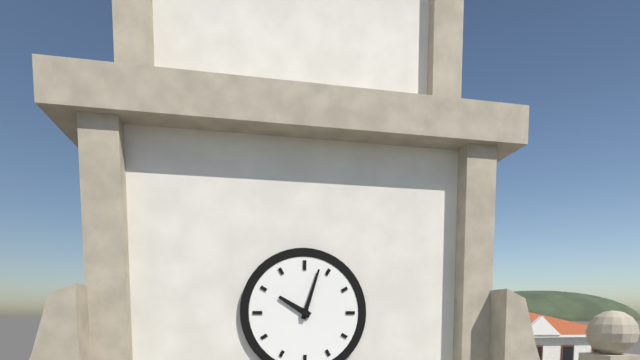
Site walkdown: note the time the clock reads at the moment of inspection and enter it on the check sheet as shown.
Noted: 10:03
